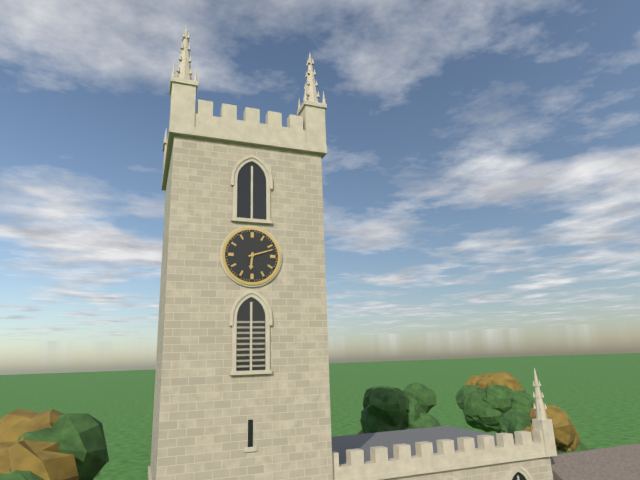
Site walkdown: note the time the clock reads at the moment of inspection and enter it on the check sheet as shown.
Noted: 6:12
